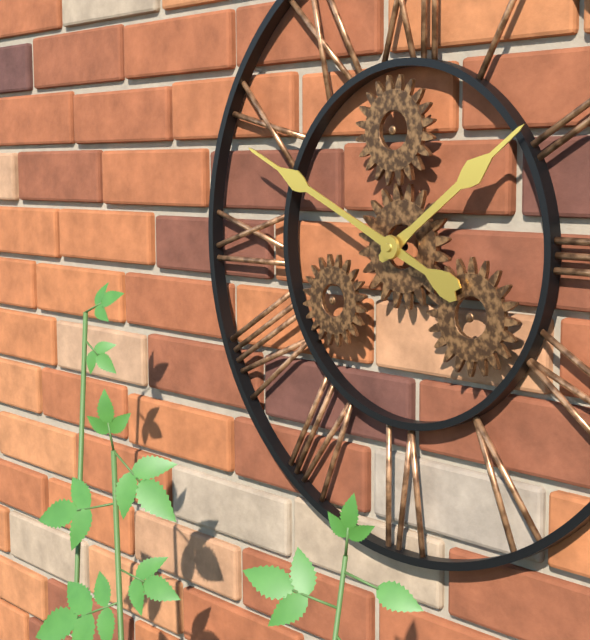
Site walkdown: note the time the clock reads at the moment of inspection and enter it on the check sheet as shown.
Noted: 1:49
